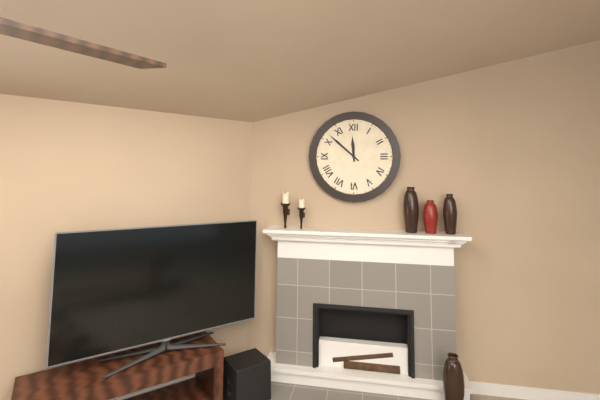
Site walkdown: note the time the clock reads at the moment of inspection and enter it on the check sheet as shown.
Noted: 11:52
